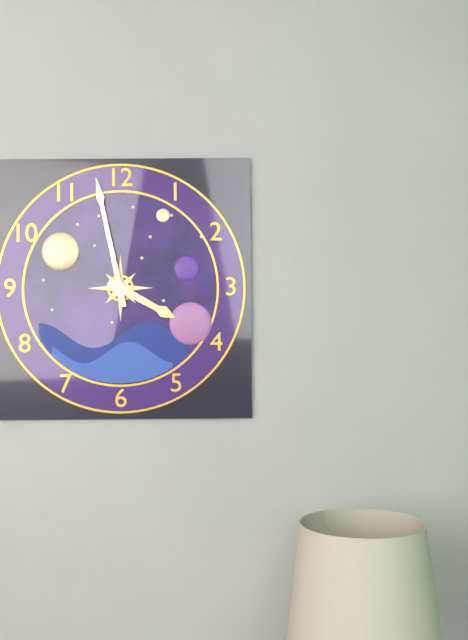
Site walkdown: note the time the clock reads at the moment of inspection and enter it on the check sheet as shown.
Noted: 3:58
